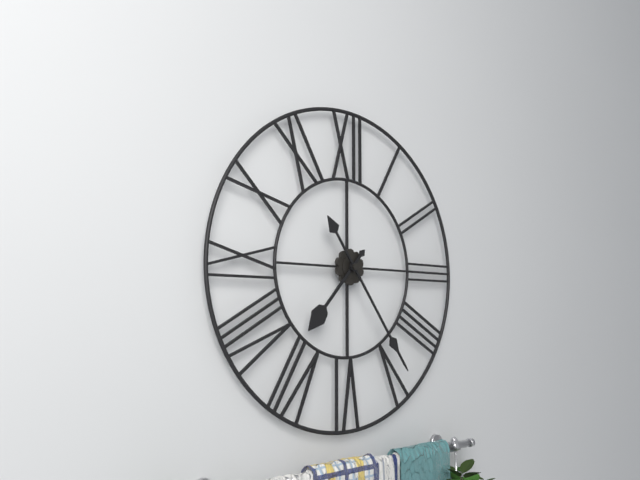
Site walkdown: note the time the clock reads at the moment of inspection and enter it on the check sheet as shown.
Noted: 7:24
